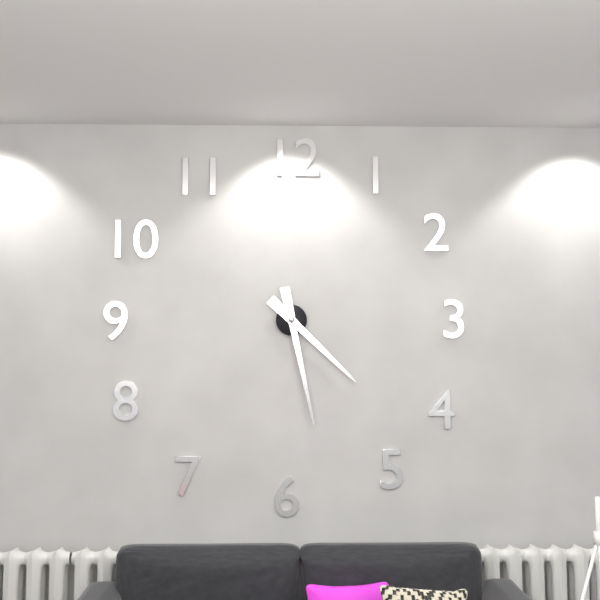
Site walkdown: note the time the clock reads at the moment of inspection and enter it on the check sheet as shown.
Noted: 4:28
